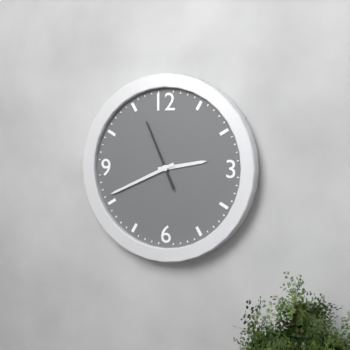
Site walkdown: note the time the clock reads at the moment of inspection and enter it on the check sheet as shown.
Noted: 2:41:56
